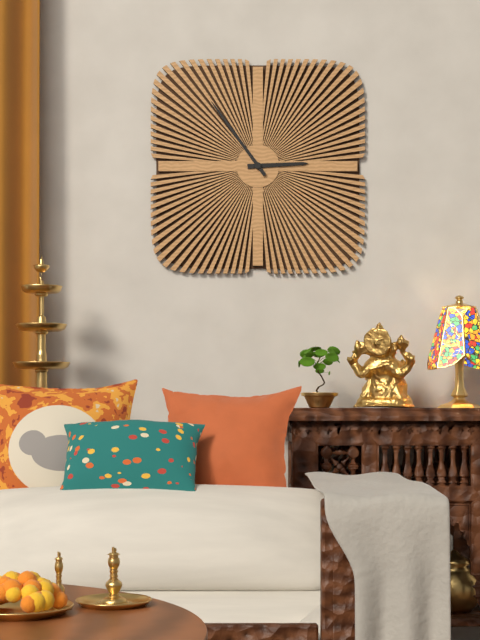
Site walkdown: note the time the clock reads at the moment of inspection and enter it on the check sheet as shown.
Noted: 2:54
